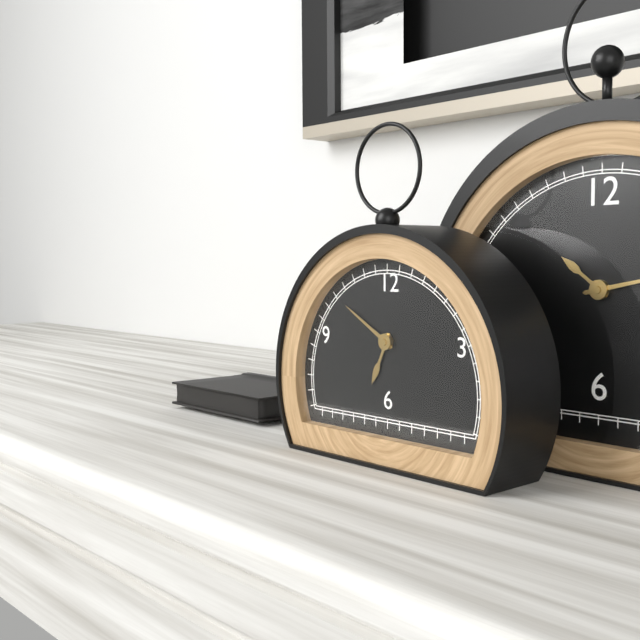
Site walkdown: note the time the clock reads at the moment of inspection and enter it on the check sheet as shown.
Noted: 6:50
